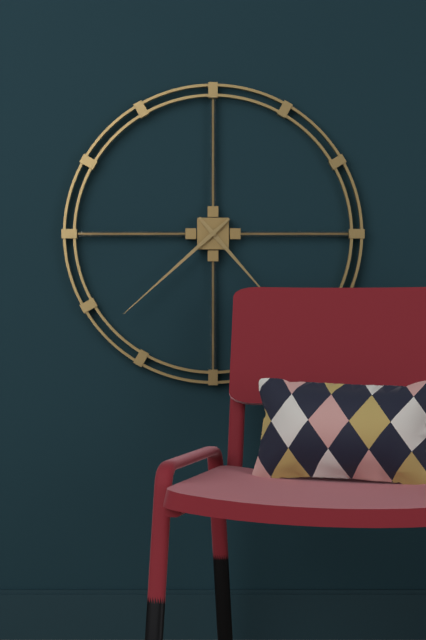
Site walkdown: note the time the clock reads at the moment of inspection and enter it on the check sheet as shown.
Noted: 4:38
